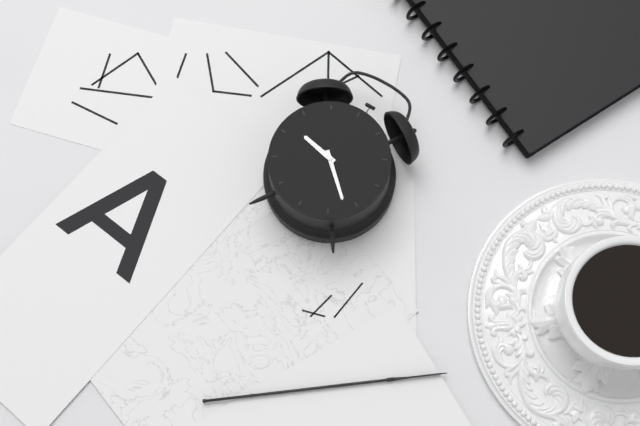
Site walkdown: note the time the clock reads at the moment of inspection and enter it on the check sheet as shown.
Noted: 9:22
